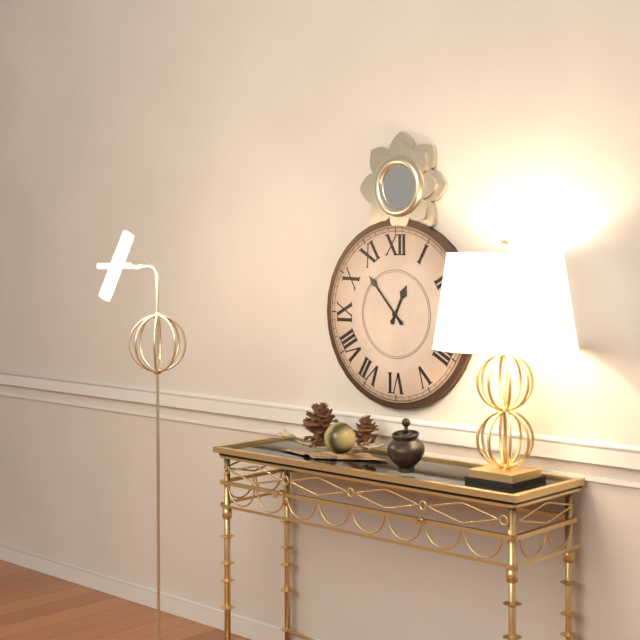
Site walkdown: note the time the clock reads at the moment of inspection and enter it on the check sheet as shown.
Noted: 12:53
